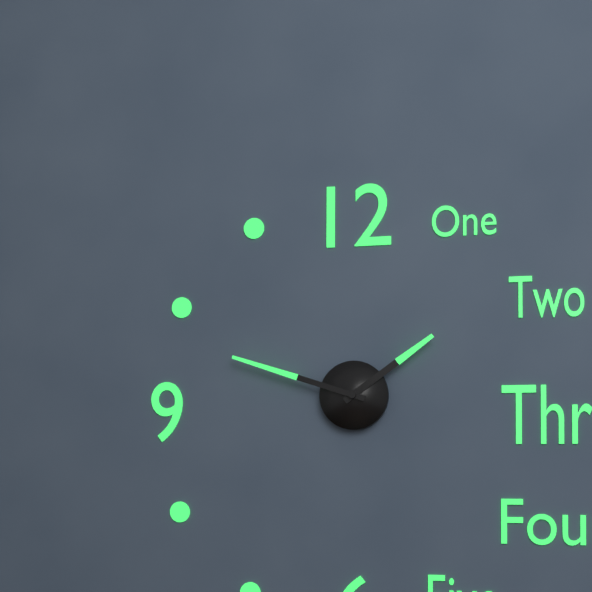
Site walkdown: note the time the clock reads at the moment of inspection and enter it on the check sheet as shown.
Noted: 1:48
